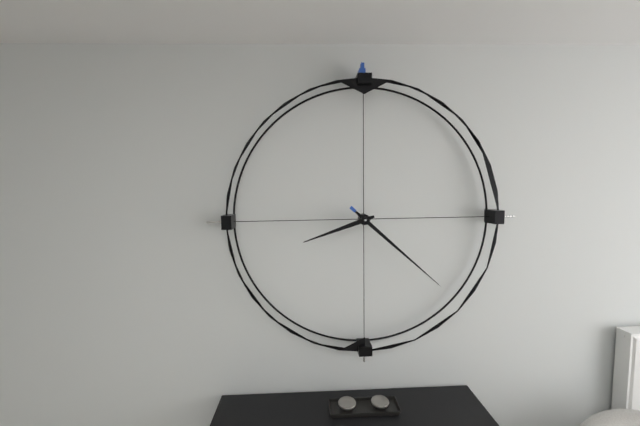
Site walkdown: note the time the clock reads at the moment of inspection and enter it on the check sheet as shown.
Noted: 8:22
